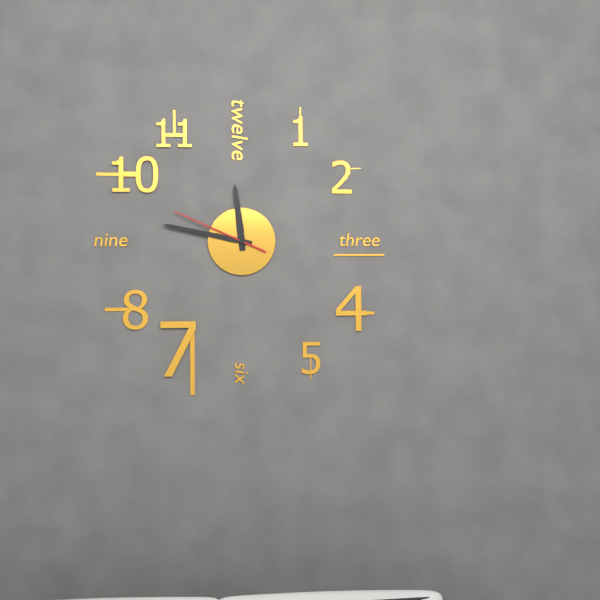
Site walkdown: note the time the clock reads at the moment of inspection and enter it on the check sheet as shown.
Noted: 11:47:49
